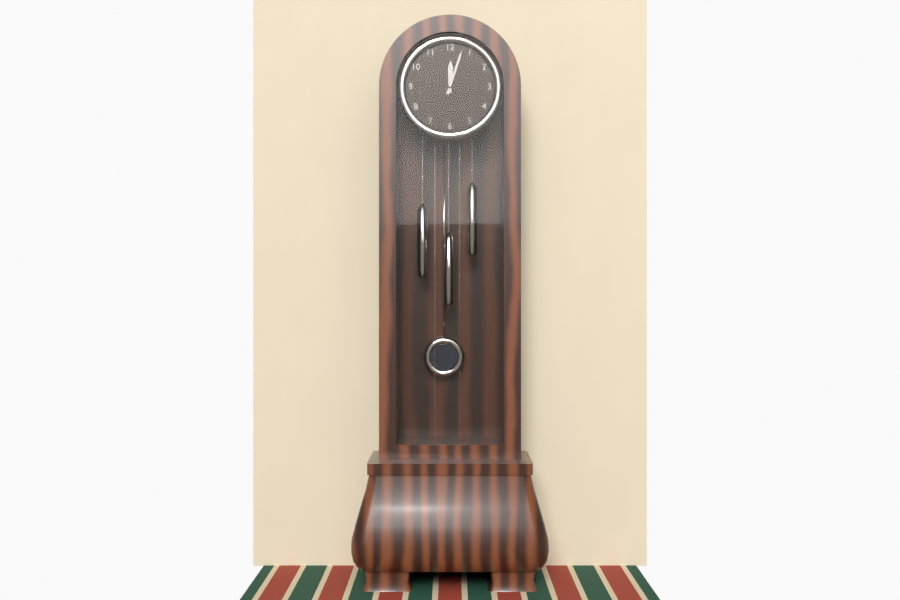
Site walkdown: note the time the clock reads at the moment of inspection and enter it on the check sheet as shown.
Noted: 12:03
